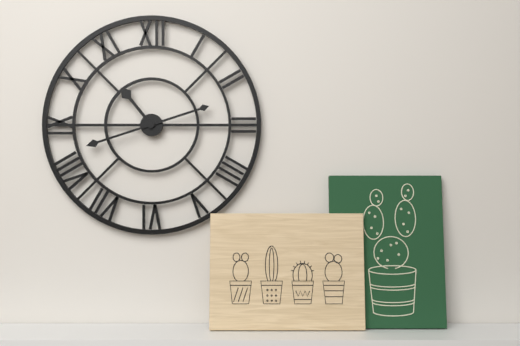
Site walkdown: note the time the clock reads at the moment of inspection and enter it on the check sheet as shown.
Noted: 10:42
